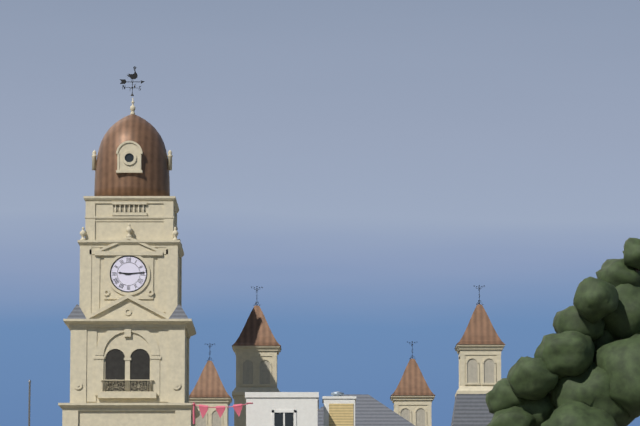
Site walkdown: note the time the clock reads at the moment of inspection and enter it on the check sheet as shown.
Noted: 9:14
